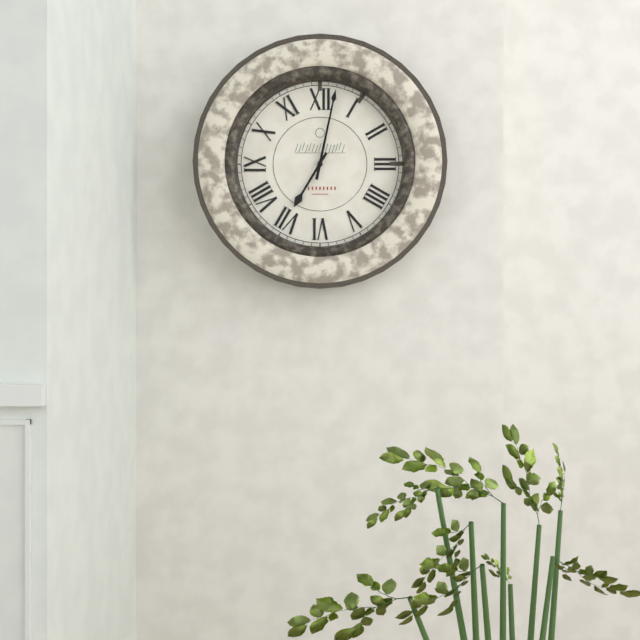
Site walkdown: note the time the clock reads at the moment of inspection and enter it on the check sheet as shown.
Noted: 7:02
